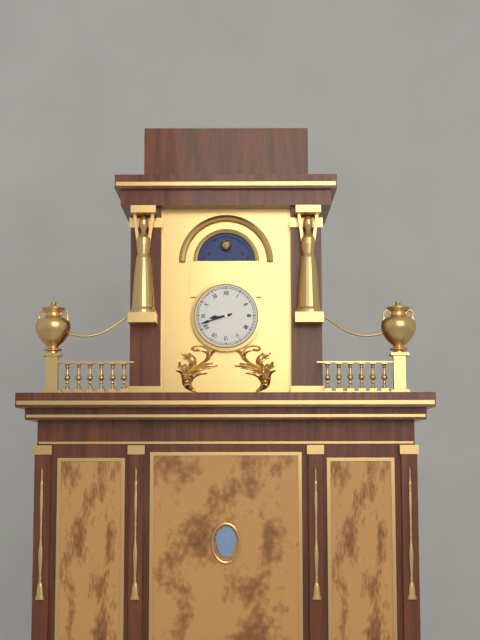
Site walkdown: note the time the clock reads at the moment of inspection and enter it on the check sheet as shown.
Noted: 8:42
